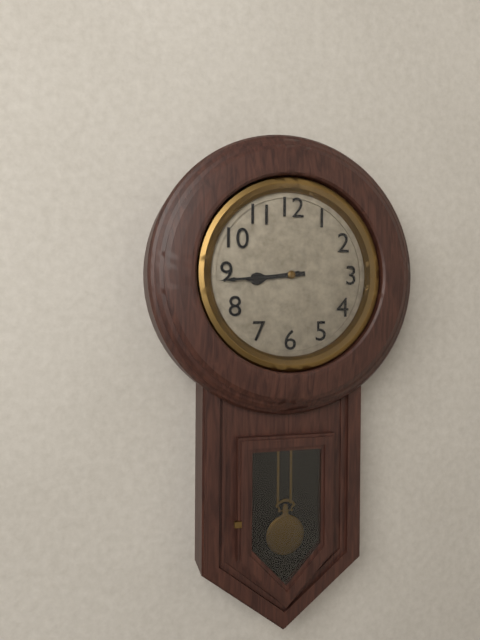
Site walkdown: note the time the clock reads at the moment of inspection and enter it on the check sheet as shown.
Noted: 8:44
